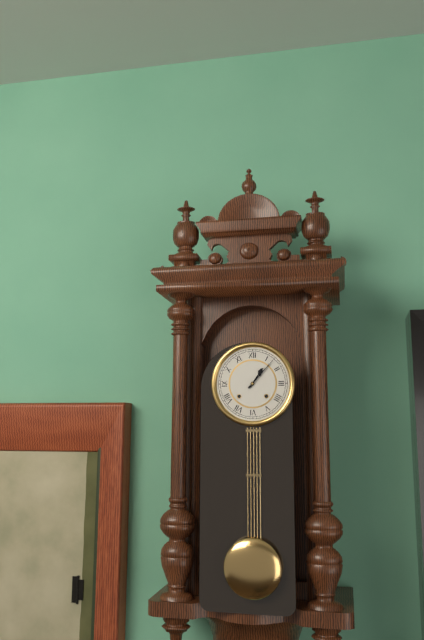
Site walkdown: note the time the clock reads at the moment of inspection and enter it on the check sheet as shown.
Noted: 1:07
